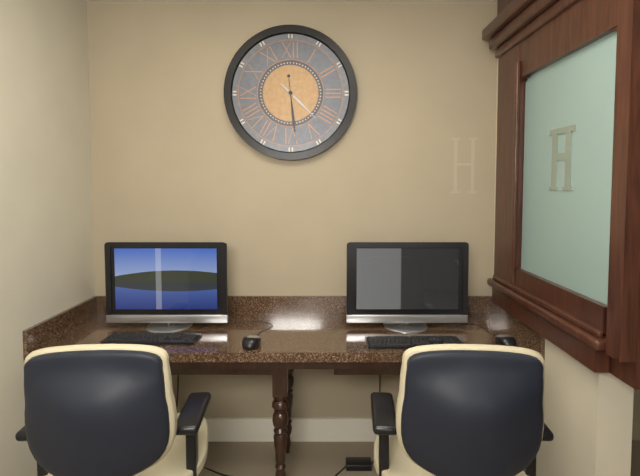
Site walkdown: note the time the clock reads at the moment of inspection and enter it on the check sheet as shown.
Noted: 4:29
